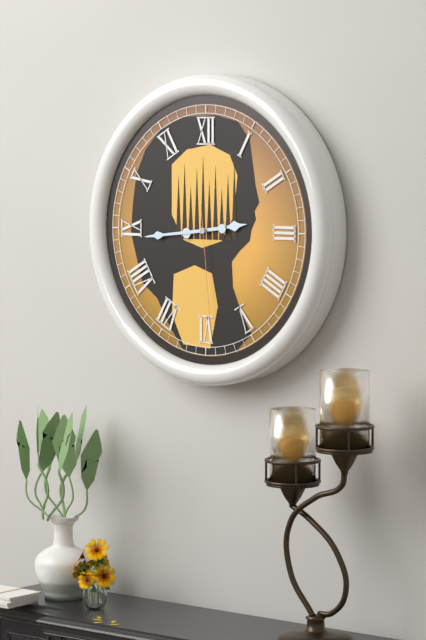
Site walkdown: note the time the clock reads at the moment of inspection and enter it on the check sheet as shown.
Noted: 2:44:29
